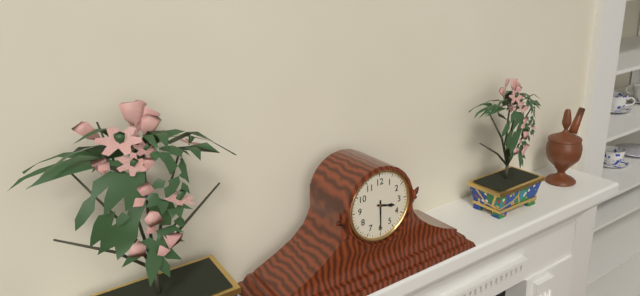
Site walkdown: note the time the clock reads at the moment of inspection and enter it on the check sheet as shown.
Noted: 3:30
